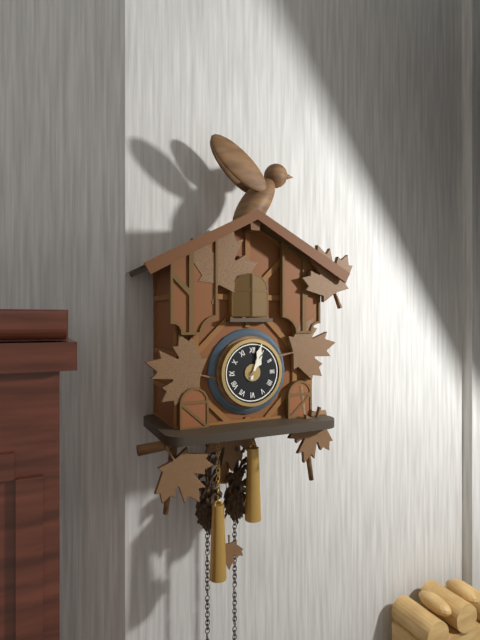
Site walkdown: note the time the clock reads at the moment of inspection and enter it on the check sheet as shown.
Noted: 1:03
